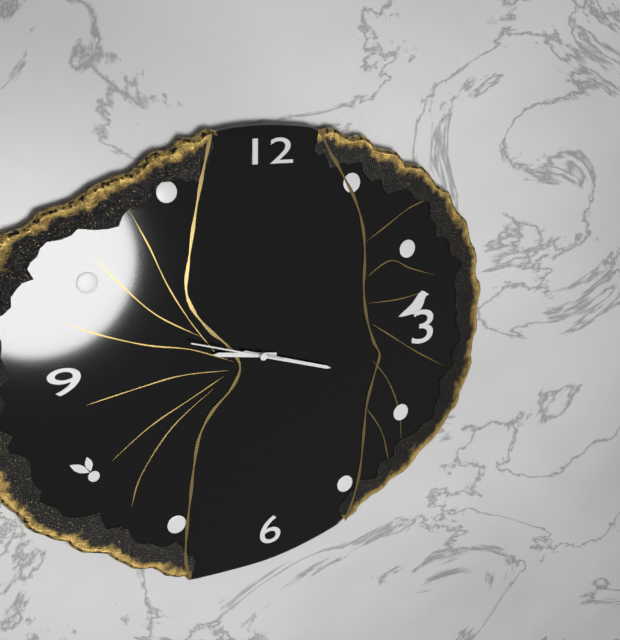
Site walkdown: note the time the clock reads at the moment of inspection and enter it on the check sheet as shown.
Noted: 9:18:48
